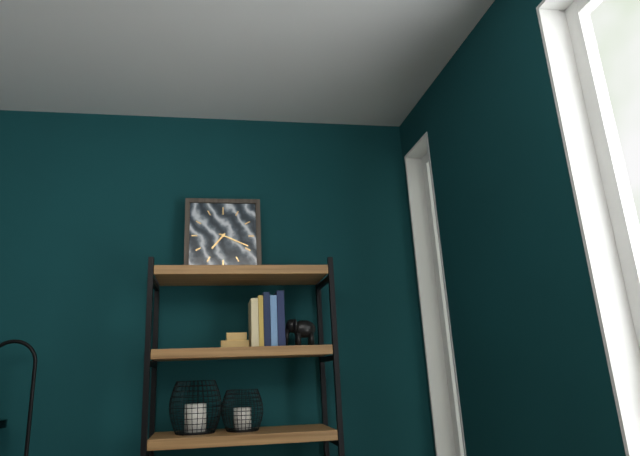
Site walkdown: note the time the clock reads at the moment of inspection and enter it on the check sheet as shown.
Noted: 7:19
